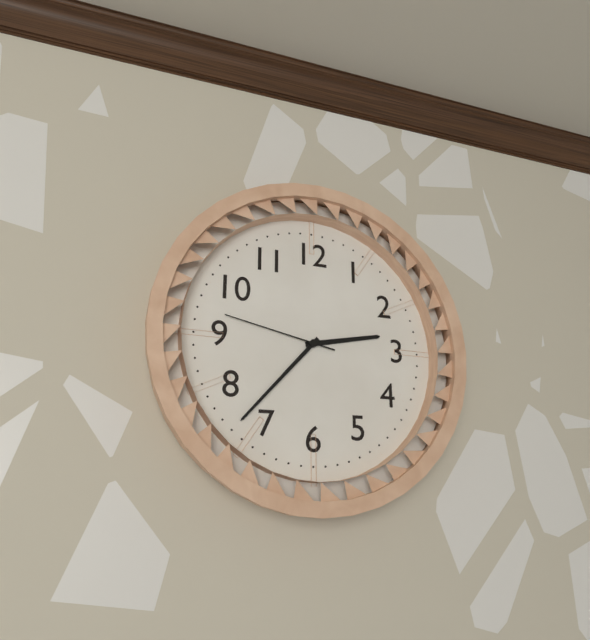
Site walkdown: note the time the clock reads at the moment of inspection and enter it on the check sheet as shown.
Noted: 2:37:47
